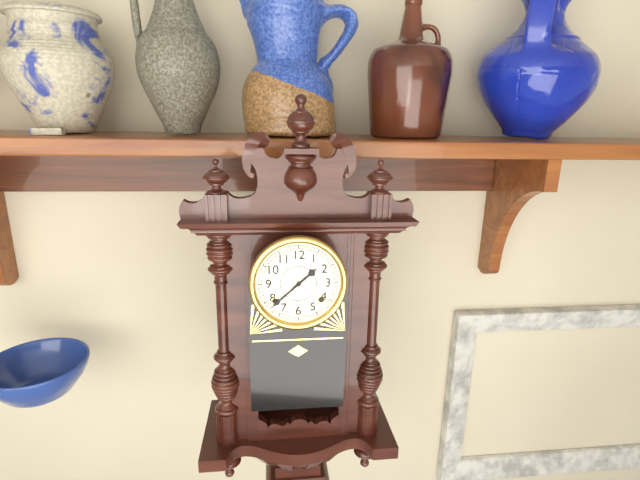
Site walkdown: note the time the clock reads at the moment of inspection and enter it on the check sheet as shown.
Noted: 1:38
